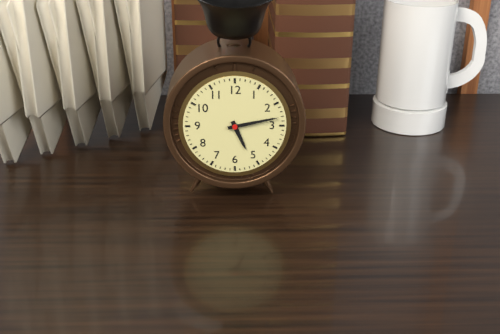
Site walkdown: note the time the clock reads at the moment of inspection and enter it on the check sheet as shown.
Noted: 5:13
